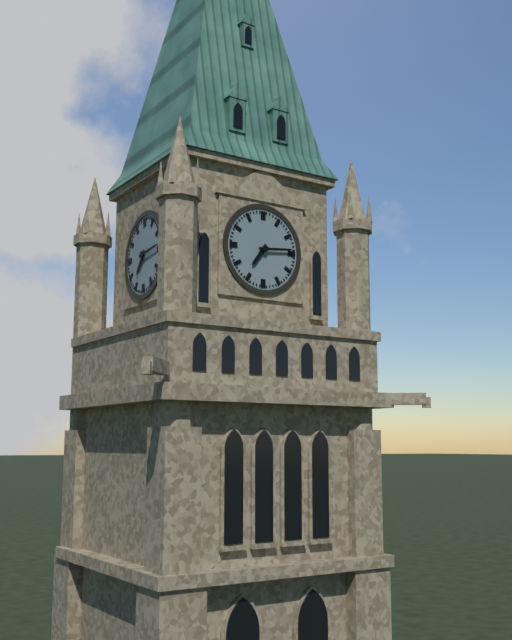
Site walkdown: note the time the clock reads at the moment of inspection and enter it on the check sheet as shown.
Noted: 7:14
